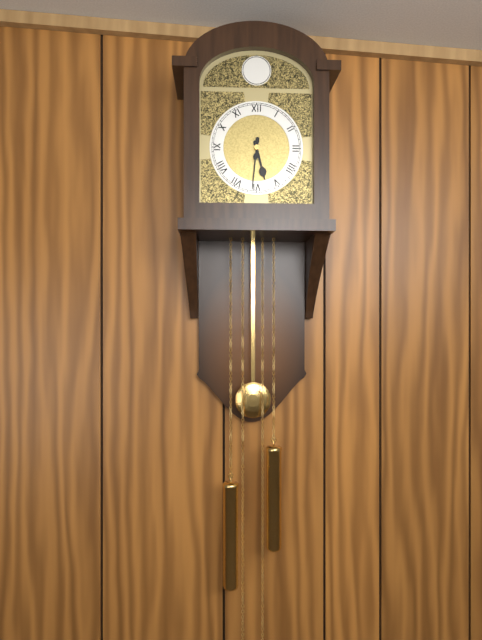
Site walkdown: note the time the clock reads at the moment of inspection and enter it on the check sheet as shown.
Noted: 5:31
